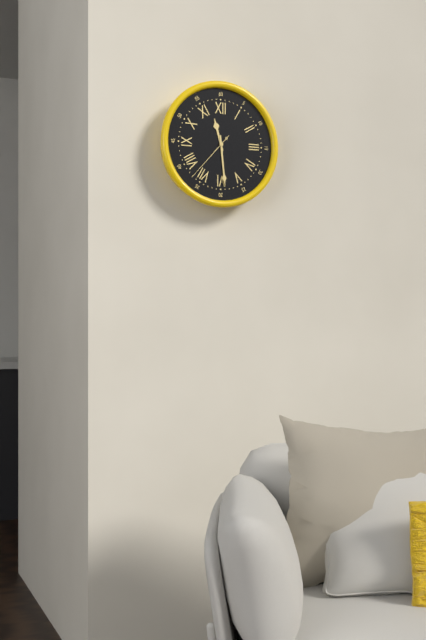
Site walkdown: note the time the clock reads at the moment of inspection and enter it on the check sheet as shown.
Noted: 11:29:37
